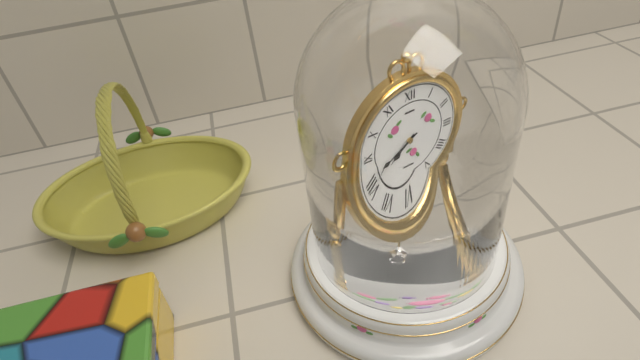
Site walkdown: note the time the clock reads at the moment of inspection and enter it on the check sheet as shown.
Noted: 7:40
